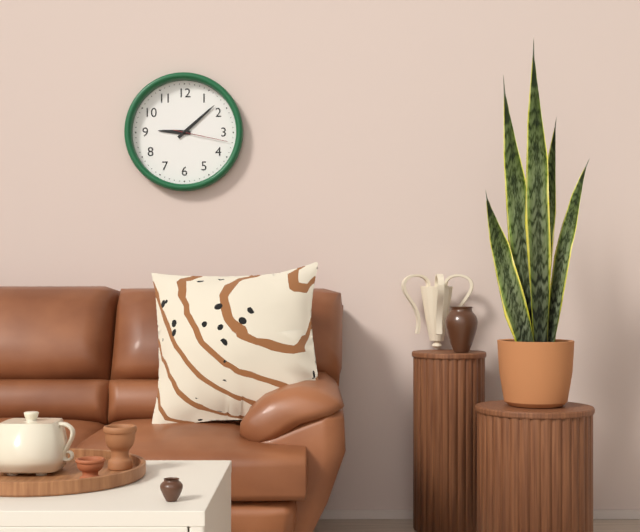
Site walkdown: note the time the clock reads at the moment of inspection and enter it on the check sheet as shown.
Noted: 9:08:17
